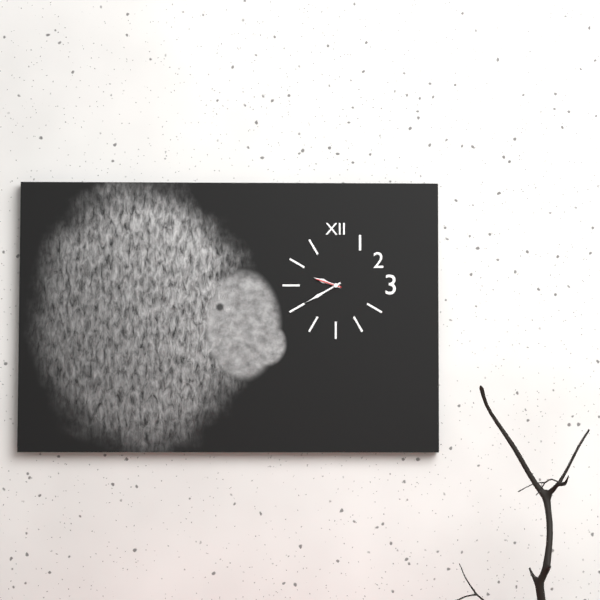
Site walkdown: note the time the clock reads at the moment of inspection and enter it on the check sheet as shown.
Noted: 9:40
